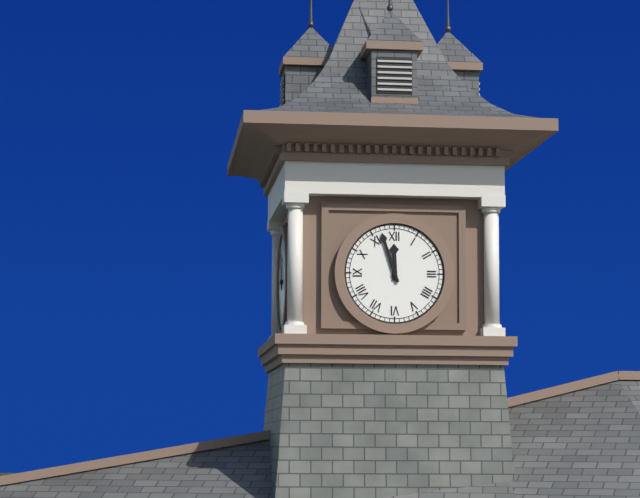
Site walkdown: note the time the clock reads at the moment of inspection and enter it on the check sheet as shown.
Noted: 11:57
